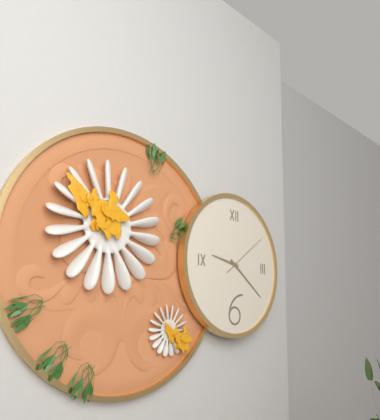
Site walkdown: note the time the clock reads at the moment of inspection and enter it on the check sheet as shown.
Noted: 9:21:09
